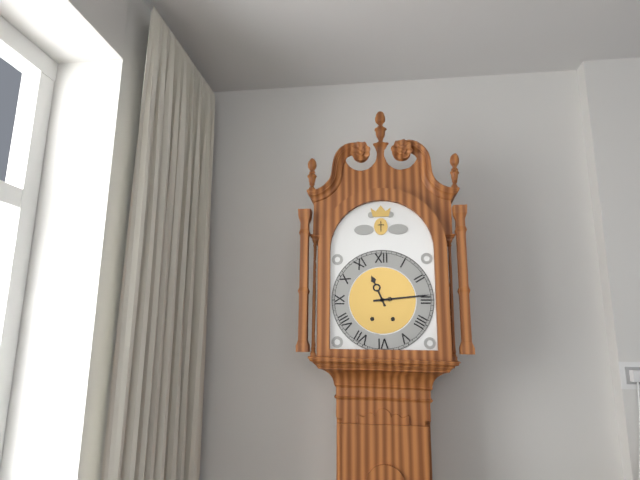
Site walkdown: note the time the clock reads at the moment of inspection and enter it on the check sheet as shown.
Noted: 11:14
